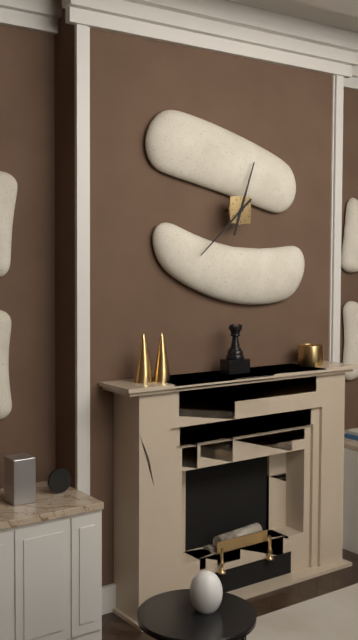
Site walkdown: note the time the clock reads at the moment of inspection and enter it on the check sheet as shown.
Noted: 12:38
